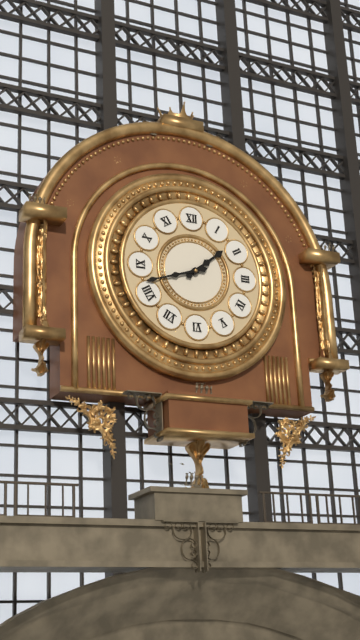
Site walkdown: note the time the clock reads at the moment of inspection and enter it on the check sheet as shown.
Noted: 1:42
